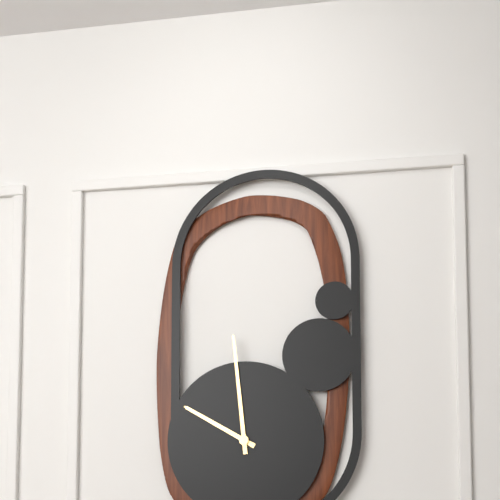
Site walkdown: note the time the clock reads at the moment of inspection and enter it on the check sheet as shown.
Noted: 9:59
